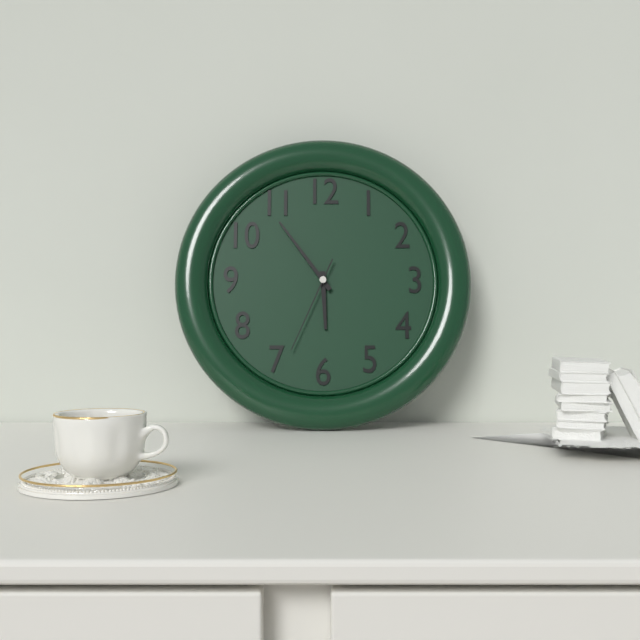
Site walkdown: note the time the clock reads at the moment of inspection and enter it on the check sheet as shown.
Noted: 5:54:34
